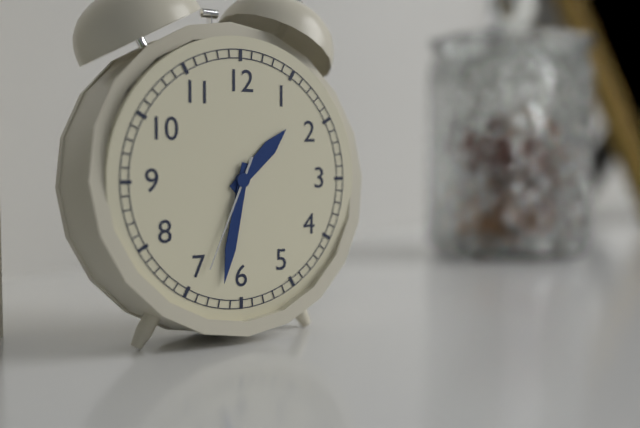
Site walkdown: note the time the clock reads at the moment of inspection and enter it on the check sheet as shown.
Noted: 1:32:34
